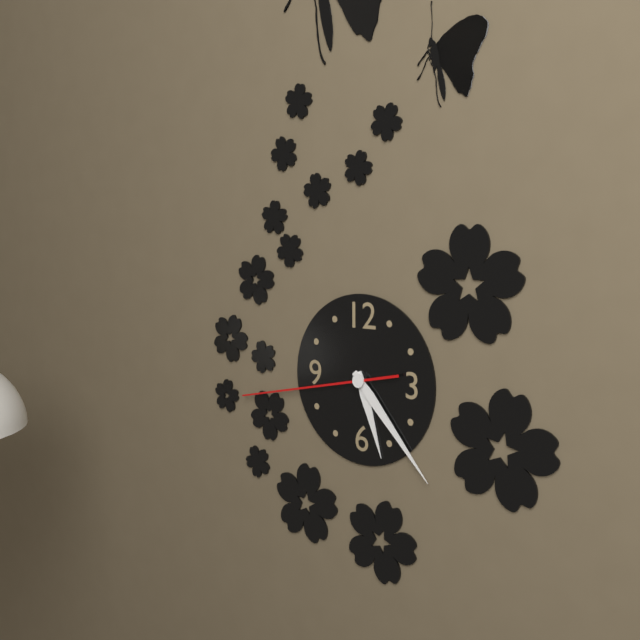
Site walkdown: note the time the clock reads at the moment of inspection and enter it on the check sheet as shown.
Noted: 5:23:43
